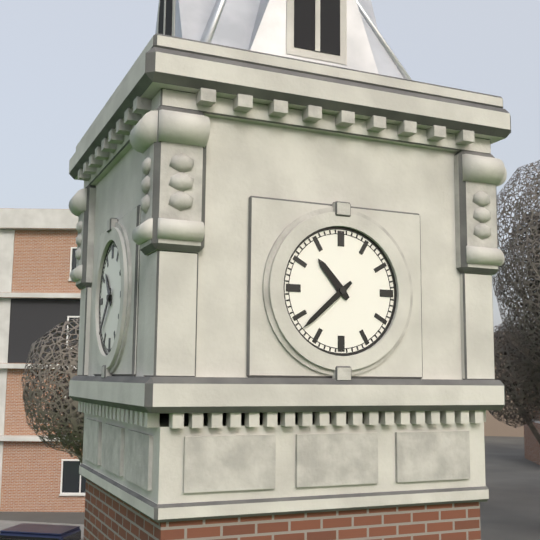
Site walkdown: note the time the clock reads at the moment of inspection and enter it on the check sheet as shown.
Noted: 10:38
